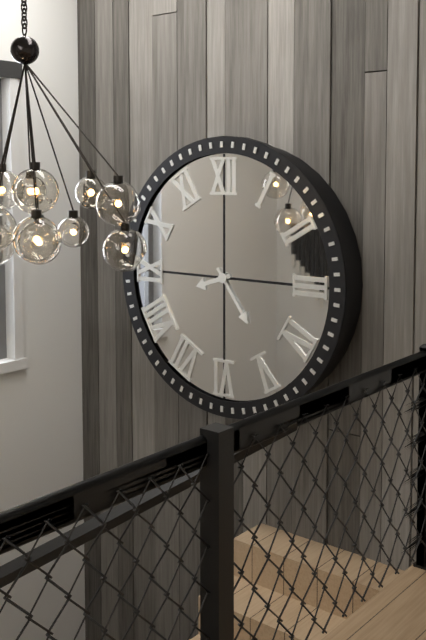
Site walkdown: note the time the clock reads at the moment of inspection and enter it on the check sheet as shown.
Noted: 8:24
